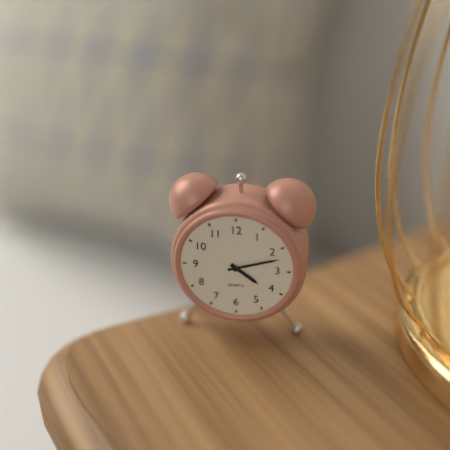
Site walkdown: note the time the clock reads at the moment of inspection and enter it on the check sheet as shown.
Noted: 4:12
